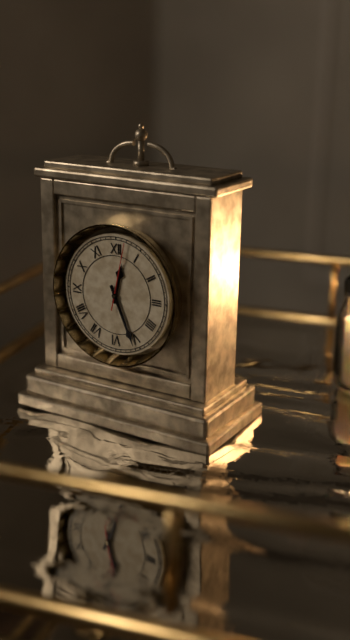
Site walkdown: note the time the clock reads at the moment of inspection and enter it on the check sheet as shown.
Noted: 12:26:02
